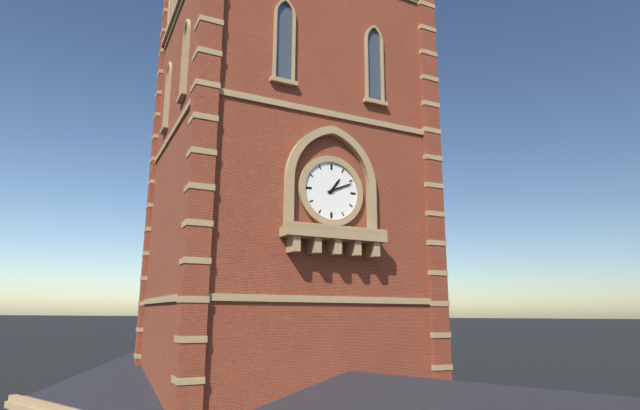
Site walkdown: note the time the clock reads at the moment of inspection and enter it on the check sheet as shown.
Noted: 1:11
